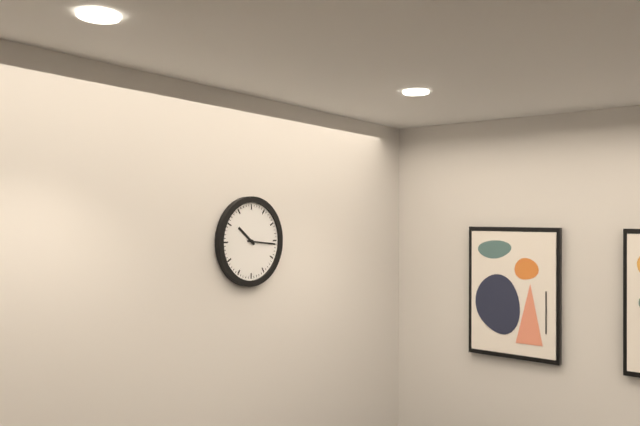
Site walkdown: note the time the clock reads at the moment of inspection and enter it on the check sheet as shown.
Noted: 10:16
